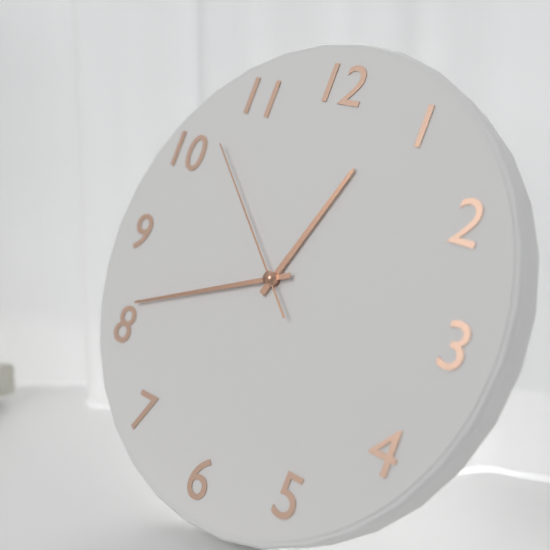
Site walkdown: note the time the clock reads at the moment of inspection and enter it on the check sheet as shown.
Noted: 12:41:52
